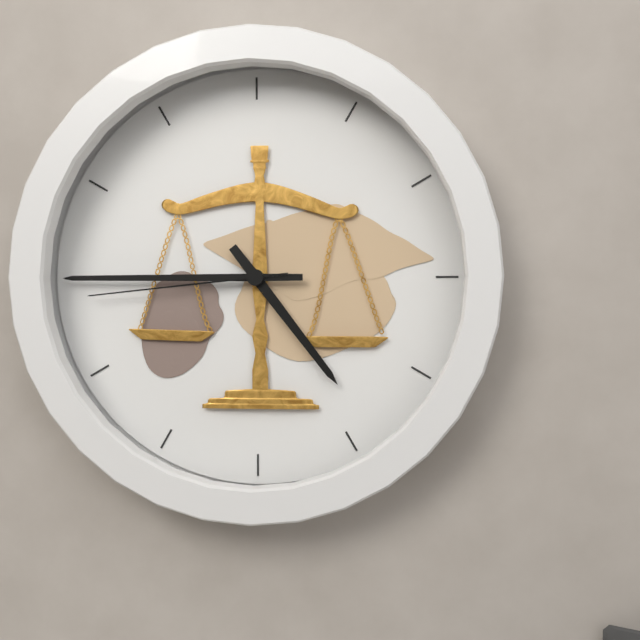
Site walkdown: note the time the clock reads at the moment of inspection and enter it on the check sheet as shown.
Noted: 4:45:44
